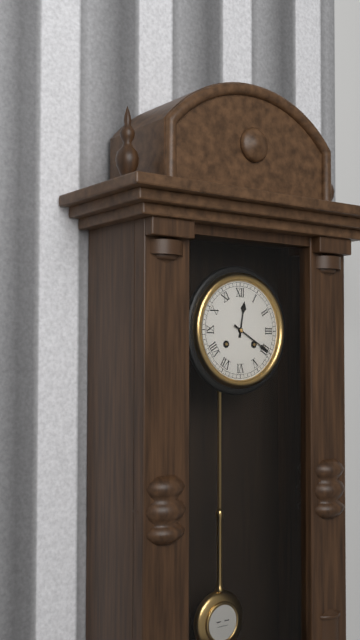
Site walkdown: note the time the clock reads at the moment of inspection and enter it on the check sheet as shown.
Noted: 12:20
